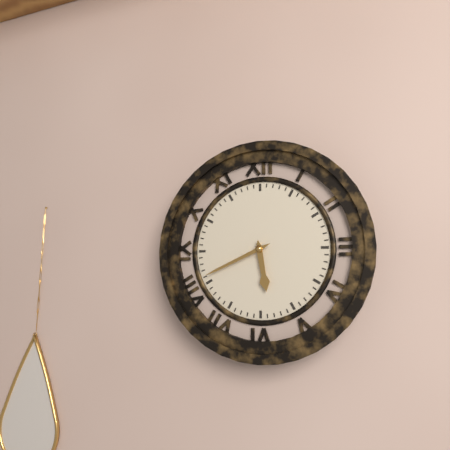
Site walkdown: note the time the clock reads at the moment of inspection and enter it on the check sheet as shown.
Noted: 5:41
